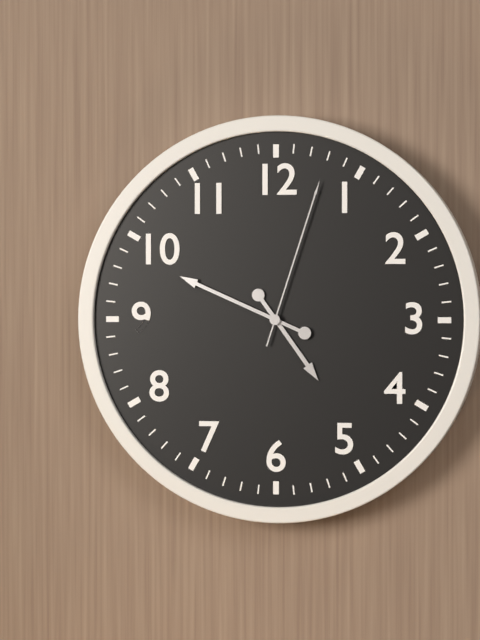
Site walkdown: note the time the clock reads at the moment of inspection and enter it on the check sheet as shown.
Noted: 4:49:03
